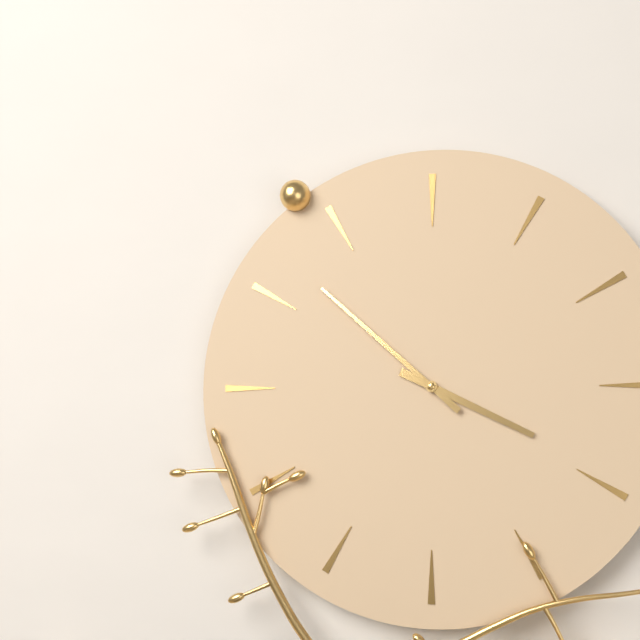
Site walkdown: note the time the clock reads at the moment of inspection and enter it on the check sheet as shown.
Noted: 3:52
